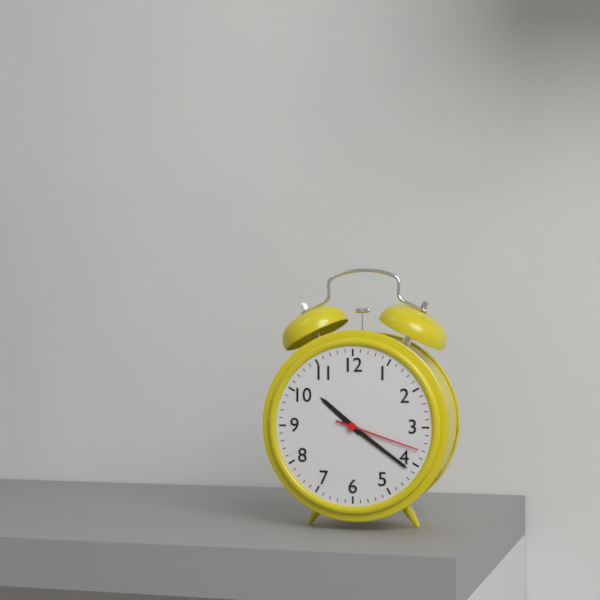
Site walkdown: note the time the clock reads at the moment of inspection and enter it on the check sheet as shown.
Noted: 10:21:18
